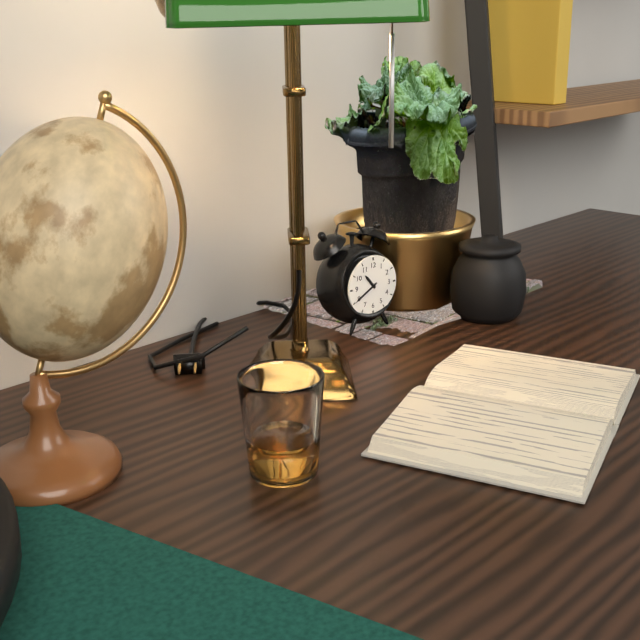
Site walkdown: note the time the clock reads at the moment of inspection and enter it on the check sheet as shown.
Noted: 10:40
